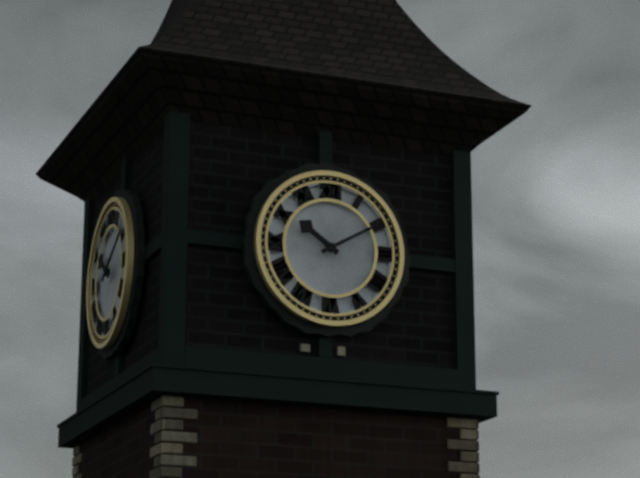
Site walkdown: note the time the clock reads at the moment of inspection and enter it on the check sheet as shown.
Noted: 10:10
